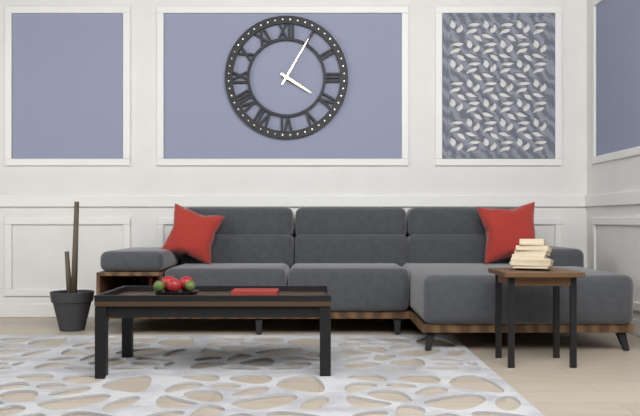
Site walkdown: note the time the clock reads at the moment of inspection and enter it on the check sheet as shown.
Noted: 4:05
